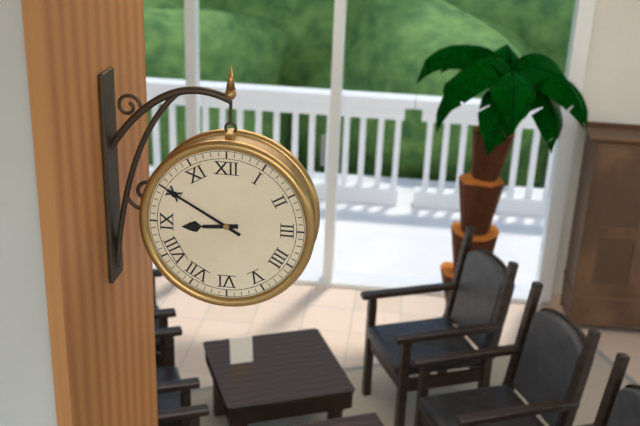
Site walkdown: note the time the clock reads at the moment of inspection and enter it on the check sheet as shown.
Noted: 8:50
